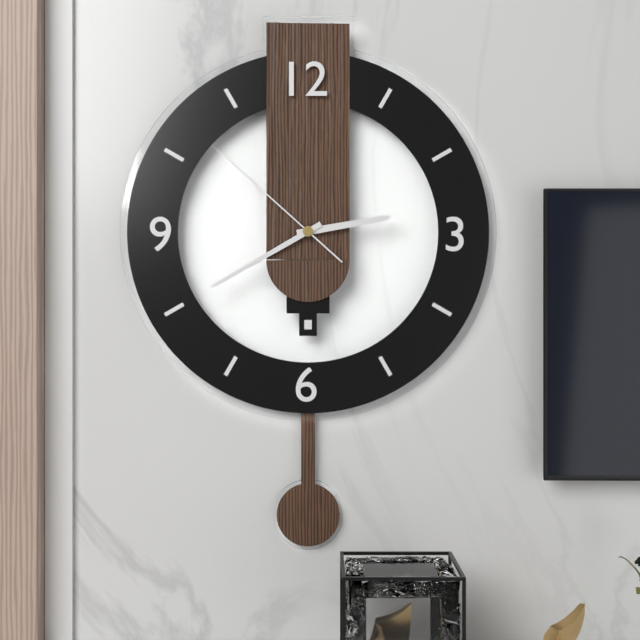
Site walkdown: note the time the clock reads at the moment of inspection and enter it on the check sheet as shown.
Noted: 2:40:52
